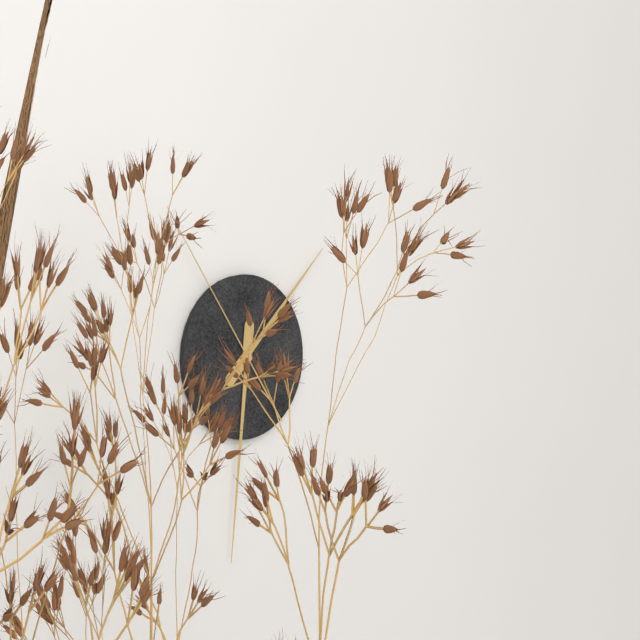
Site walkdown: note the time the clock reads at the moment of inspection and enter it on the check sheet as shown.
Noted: 1:31:54
